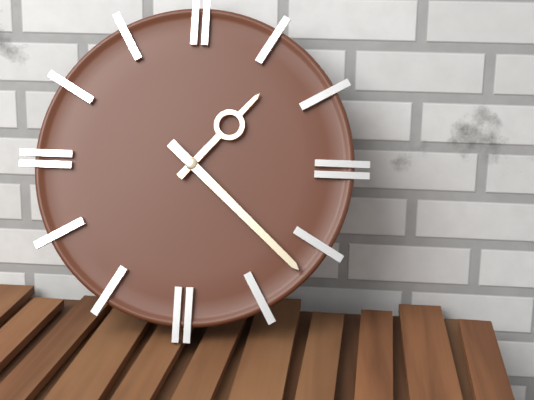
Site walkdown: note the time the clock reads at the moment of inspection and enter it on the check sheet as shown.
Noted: 1:22
